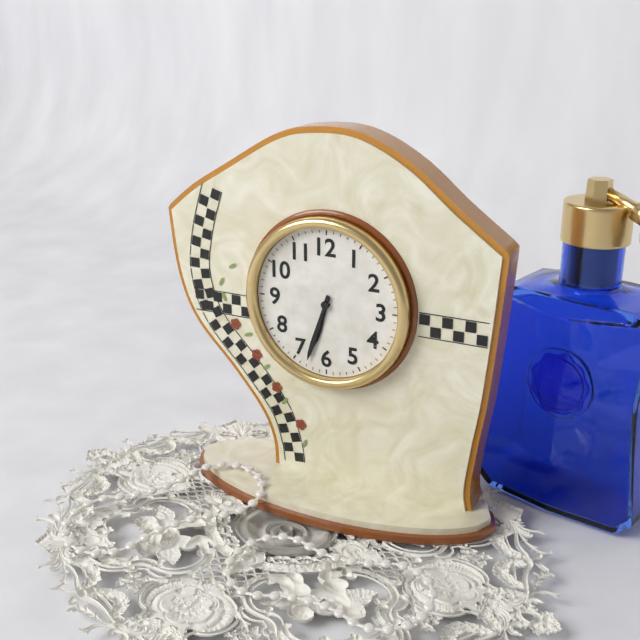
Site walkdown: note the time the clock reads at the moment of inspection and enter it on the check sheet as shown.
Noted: 6:33
